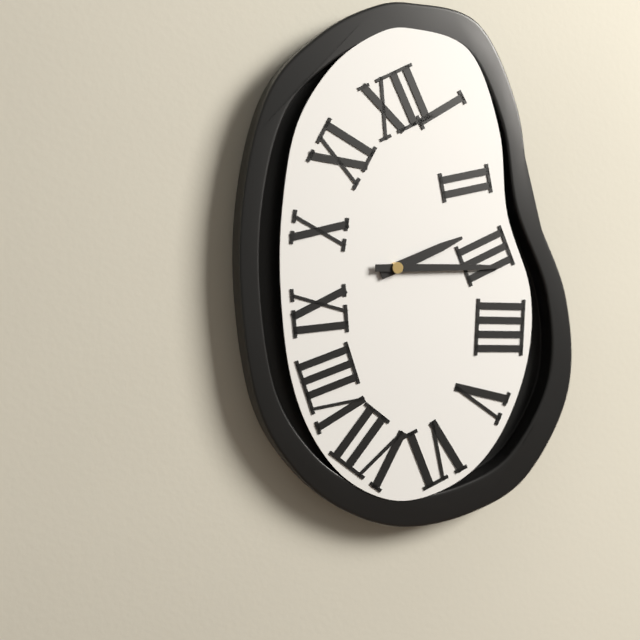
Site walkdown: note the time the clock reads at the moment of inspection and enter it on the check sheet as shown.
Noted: 2:15
